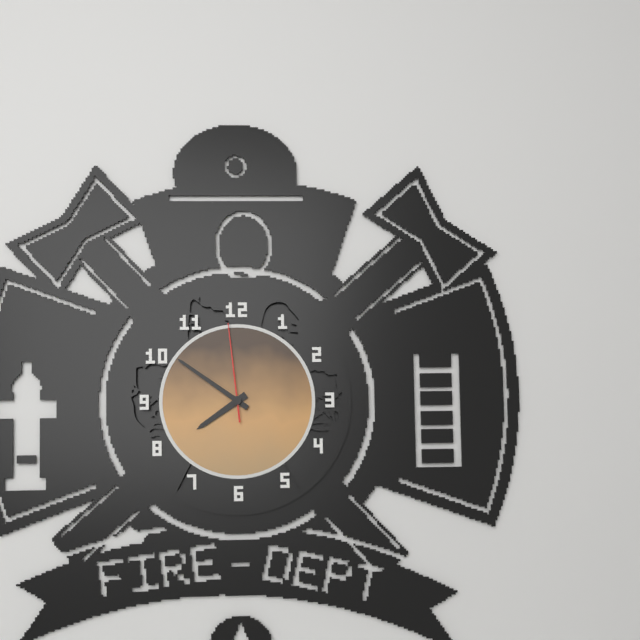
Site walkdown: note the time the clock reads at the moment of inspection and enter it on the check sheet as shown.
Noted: 7:51:59
